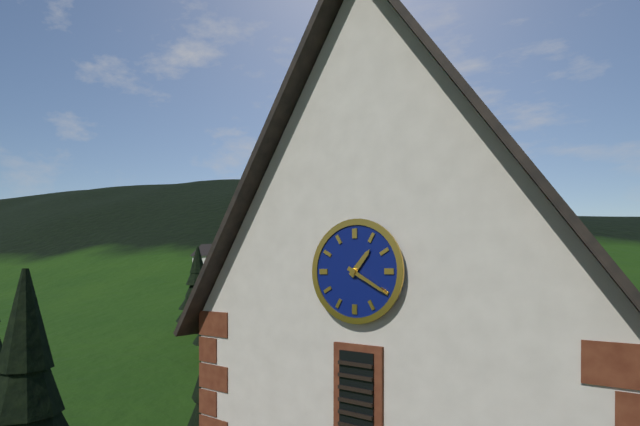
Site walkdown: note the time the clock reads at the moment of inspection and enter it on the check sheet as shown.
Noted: 1:20
